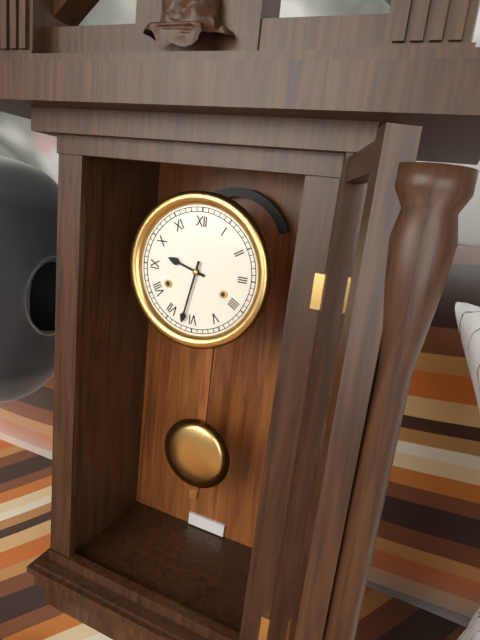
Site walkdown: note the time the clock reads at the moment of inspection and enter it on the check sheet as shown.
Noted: 9:32
